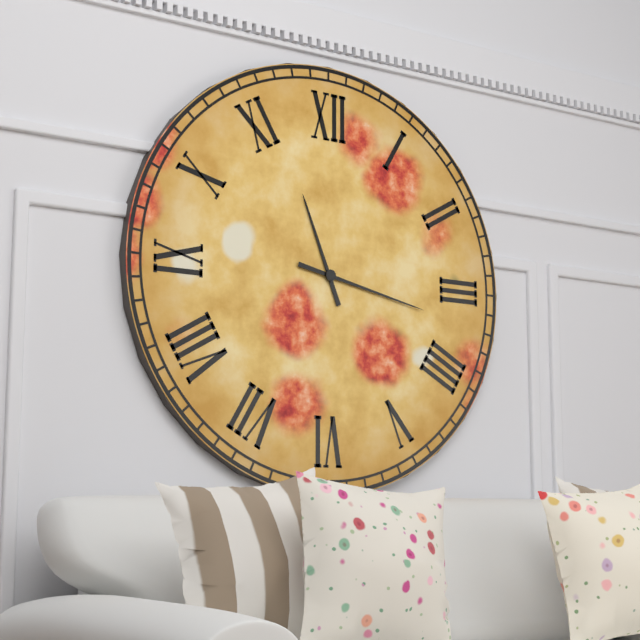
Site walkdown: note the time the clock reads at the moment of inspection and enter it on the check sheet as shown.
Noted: 11:17
